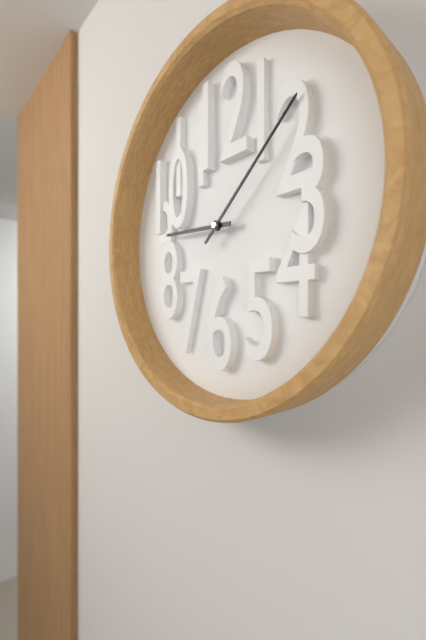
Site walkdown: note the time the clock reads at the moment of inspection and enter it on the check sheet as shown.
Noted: 9:08
